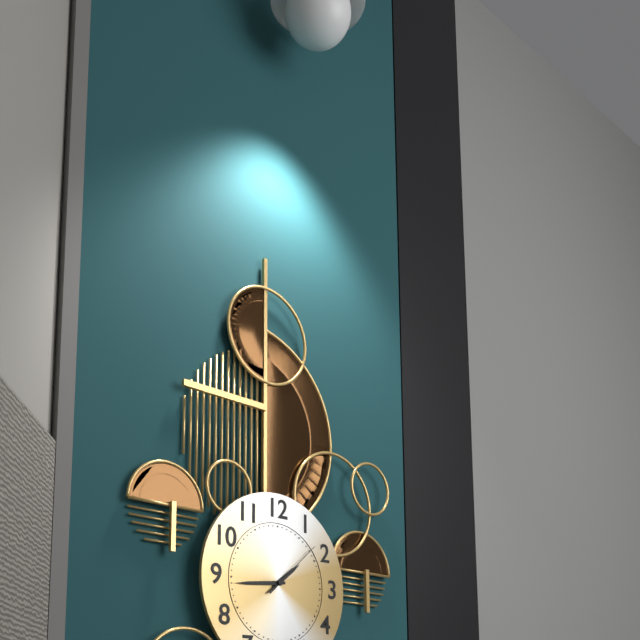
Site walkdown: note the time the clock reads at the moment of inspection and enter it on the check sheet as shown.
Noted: 1:44:08
